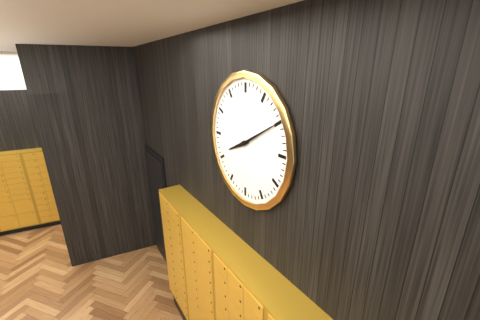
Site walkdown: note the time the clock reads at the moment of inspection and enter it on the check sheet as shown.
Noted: 8:10
